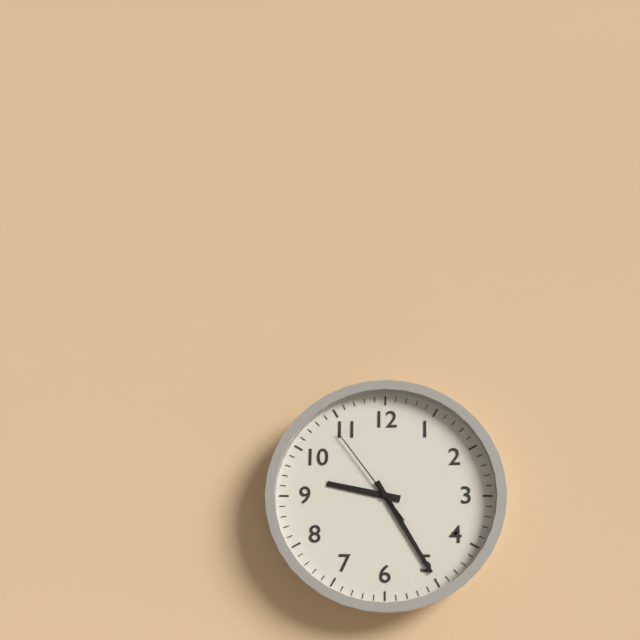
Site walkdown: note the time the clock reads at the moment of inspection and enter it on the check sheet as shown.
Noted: 9:25:54
